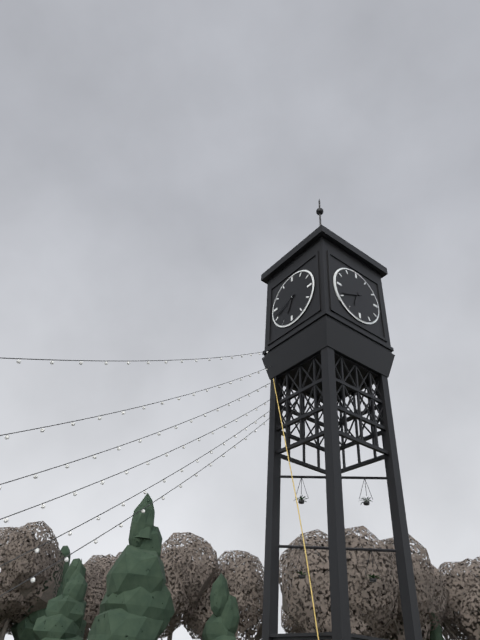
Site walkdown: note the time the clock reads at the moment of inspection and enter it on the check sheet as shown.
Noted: 6:41
